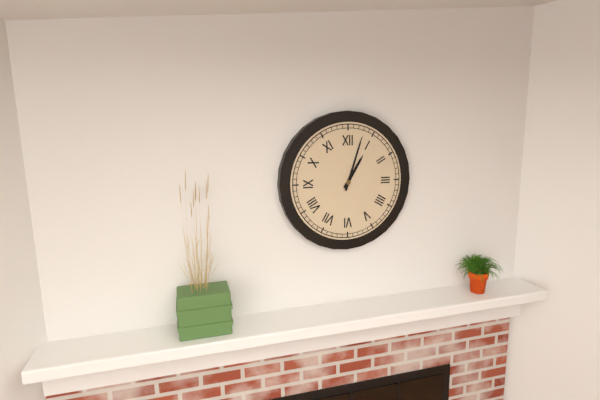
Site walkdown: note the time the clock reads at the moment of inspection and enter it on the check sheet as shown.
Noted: 1:03
